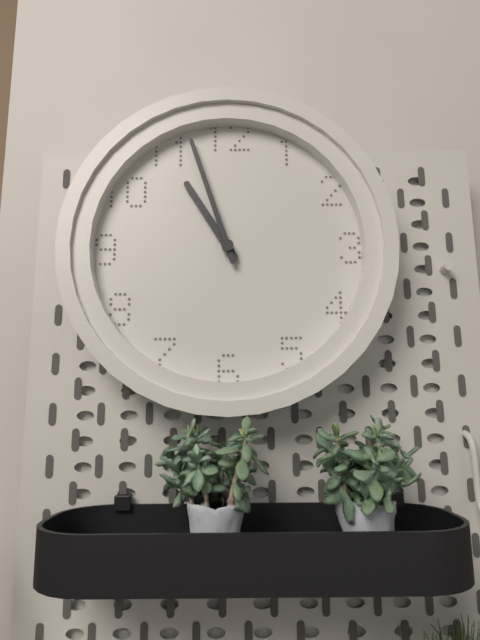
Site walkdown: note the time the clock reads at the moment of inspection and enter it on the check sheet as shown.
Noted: 10:57
